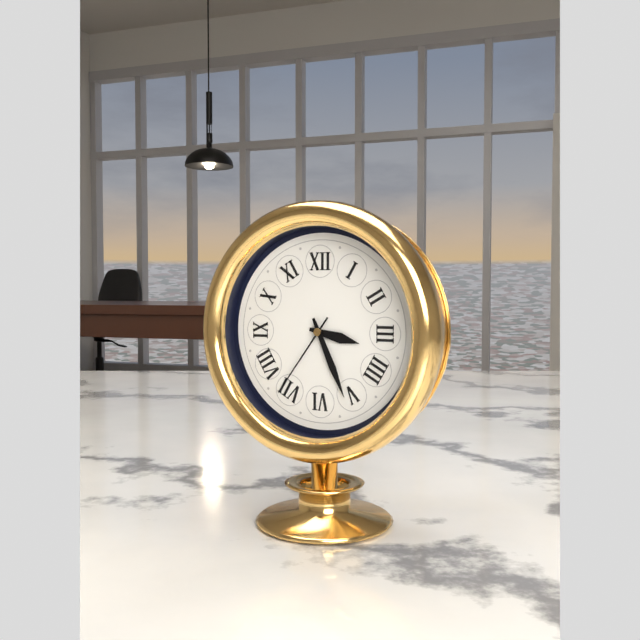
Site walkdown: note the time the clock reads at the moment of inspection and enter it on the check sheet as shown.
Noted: 3:26:36
